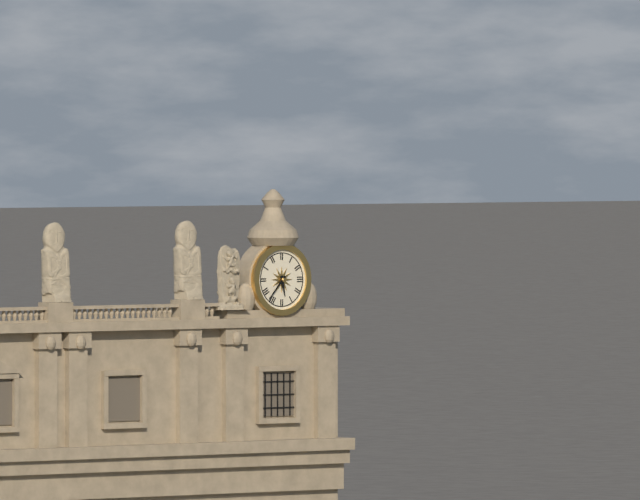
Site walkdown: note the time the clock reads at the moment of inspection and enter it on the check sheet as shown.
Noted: 5:37
